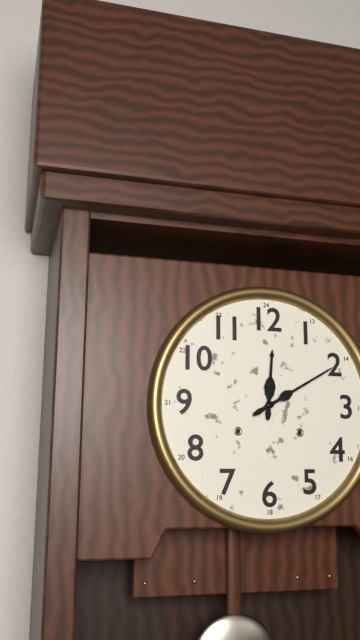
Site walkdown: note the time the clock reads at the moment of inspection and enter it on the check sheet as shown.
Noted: 12:10
